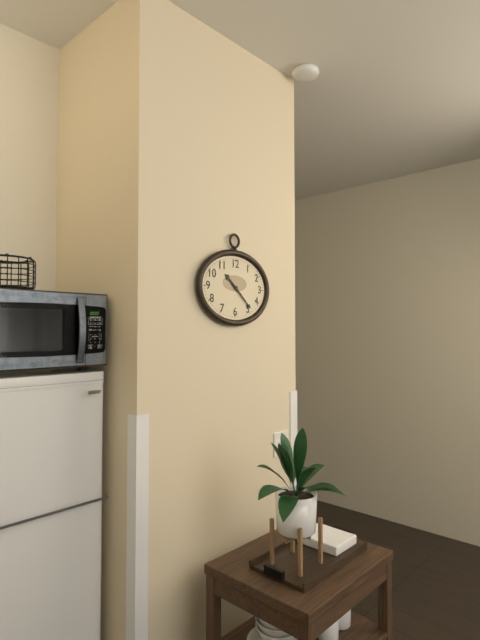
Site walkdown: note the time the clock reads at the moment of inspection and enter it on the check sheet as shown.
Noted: 10:22
